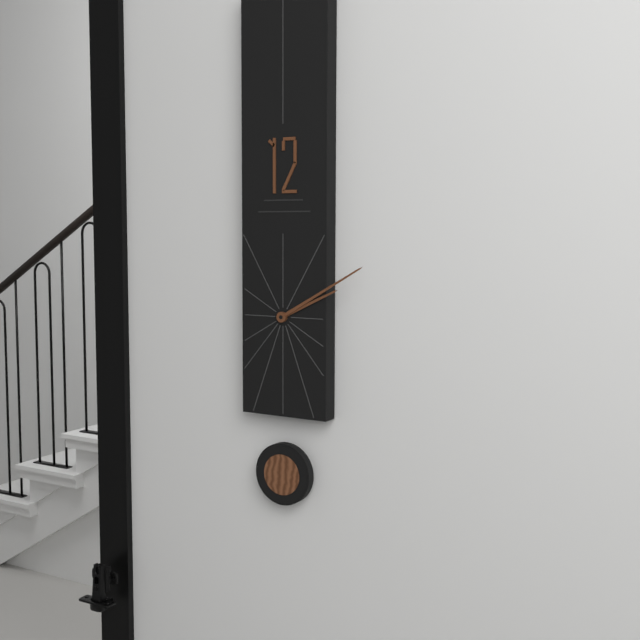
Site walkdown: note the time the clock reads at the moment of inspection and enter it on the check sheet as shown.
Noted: 2:10
